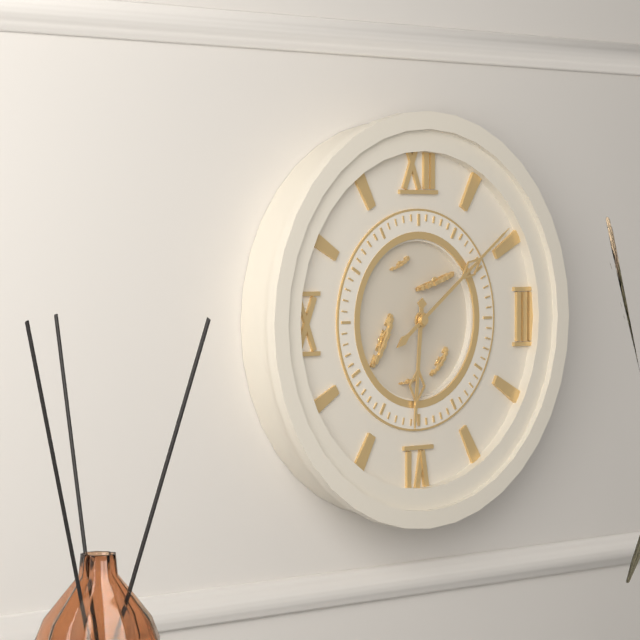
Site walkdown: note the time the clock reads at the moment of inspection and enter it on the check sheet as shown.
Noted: 6:09
